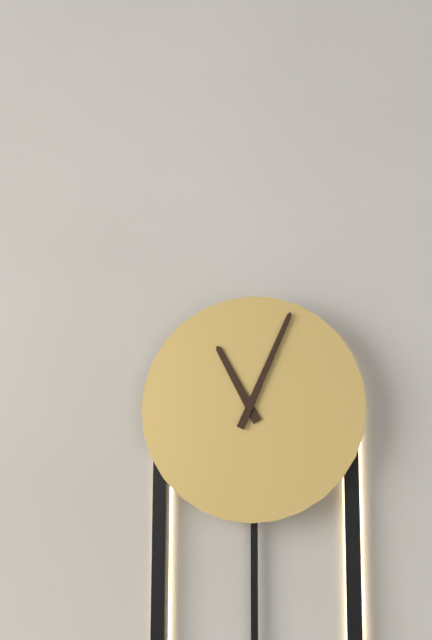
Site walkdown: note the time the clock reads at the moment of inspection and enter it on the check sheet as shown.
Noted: 11:04
